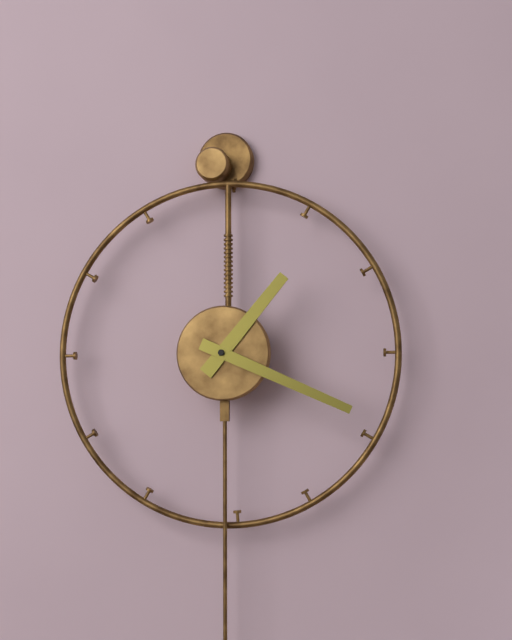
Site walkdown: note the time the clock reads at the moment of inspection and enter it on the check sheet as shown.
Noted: 1:19
